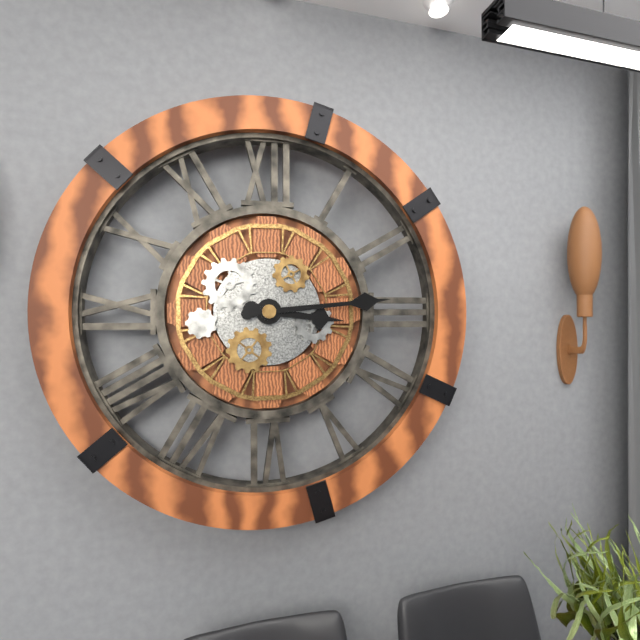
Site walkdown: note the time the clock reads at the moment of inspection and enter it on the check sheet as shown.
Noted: 3:14
